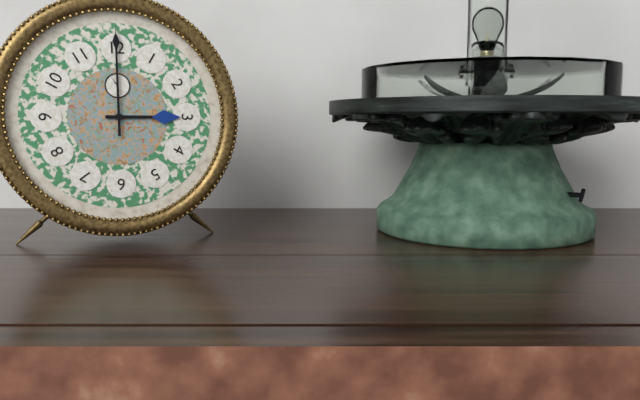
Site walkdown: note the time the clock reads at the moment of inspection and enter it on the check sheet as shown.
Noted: 3:00
